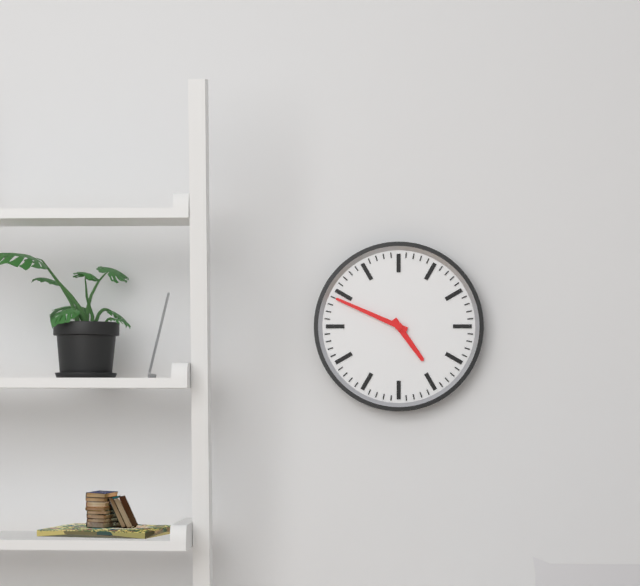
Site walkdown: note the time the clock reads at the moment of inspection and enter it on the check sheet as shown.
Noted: 4:49
